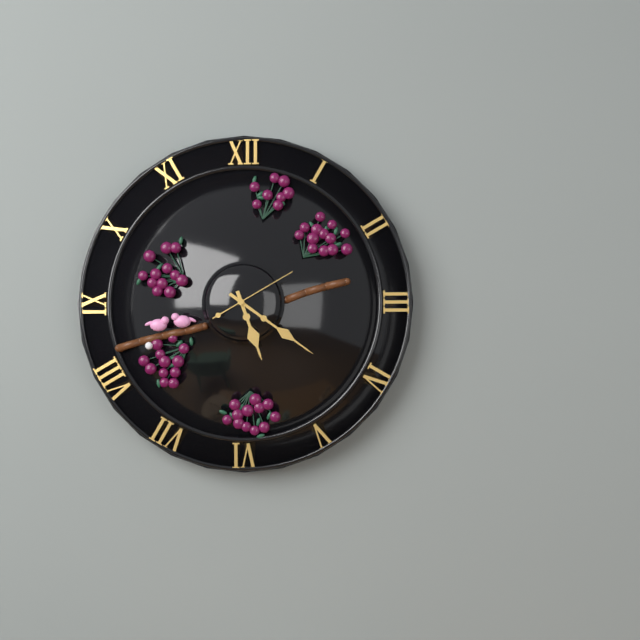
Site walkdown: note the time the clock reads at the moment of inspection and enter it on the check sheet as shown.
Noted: 5:21:10
